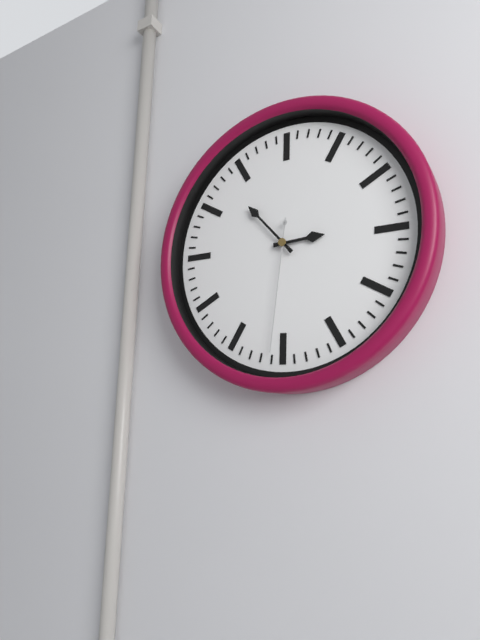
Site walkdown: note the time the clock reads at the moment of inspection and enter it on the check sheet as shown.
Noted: 2:53:31
